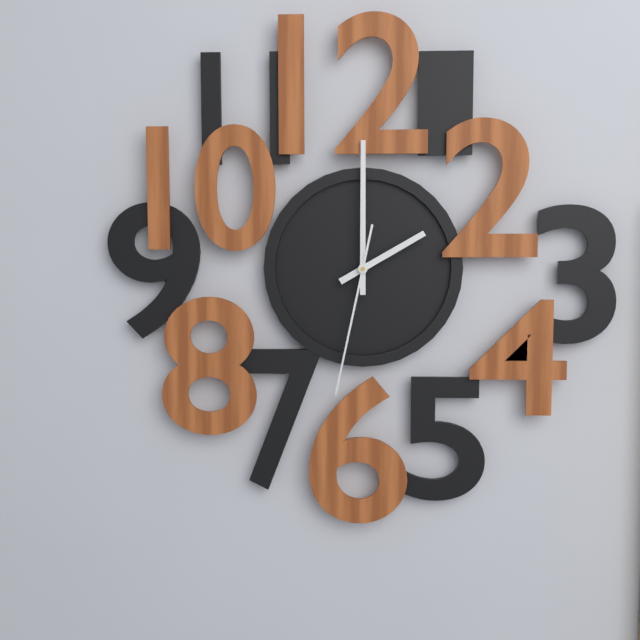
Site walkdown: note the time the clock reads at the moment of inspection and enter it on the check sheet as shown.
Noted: 2:00:32
